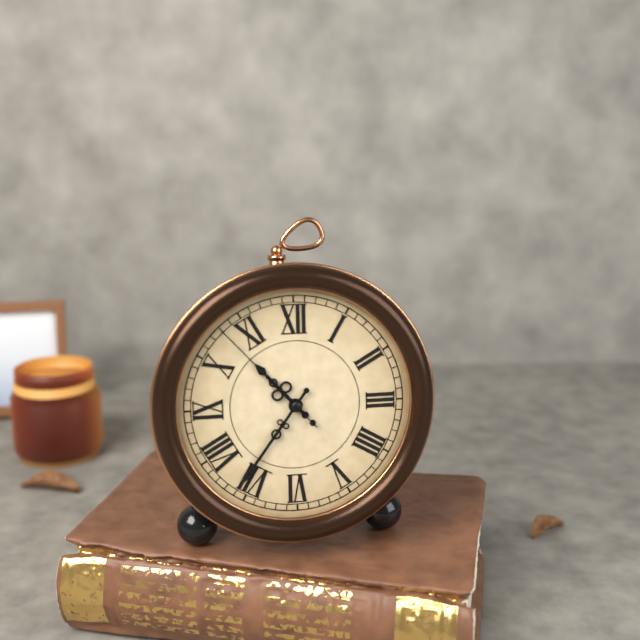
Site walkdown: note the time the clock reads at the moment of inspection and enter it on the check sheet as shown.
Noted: 10:36:53
